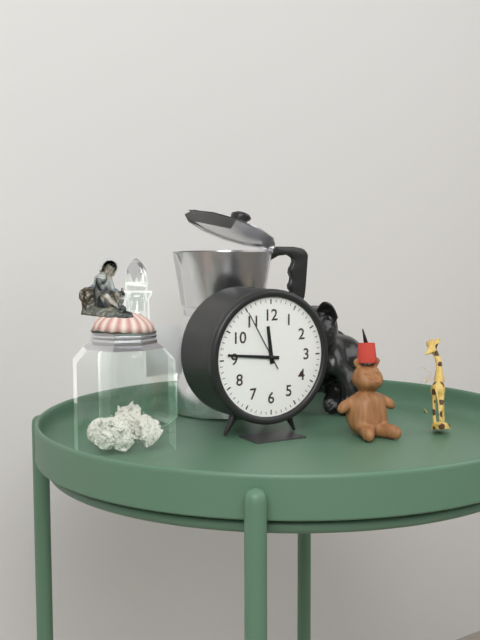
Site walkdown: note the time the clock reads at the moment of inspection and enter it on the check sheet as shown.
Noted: 11:46:55
